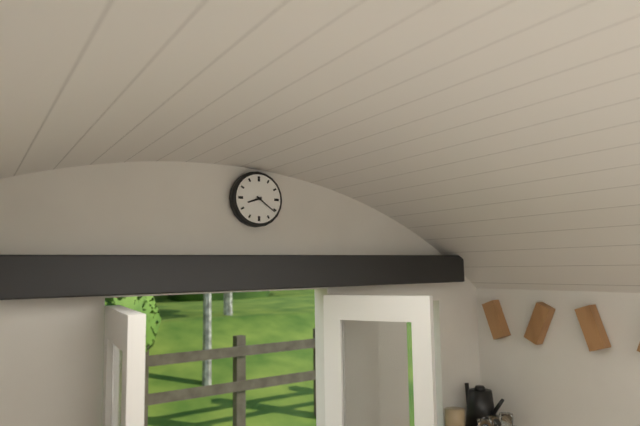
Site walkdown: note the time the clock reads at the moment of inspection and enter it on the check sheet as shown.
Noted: 8:21
